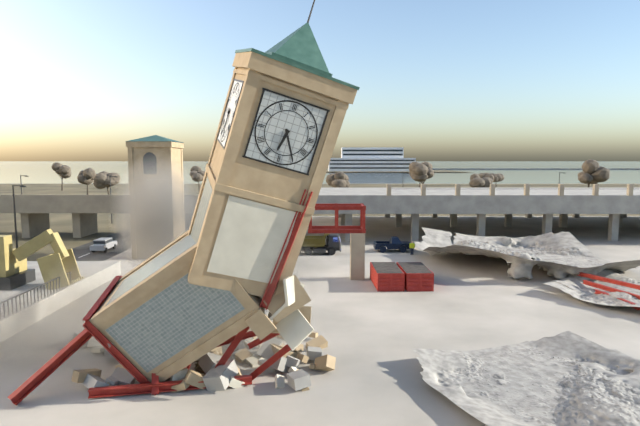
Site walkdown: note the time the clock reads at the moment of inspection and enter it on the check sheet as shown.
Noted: 6:25
